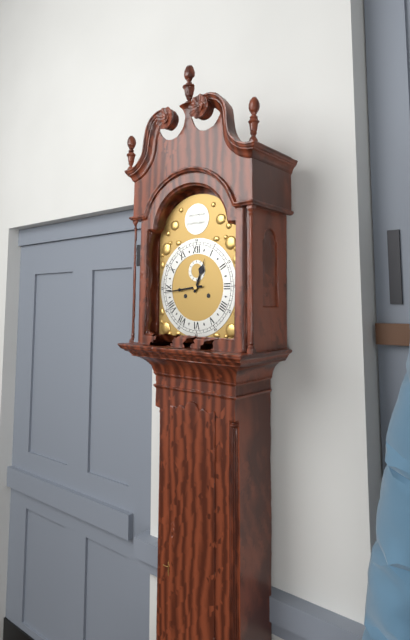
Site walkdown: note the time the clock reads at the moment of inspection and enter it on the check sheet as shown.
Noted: 12:44
